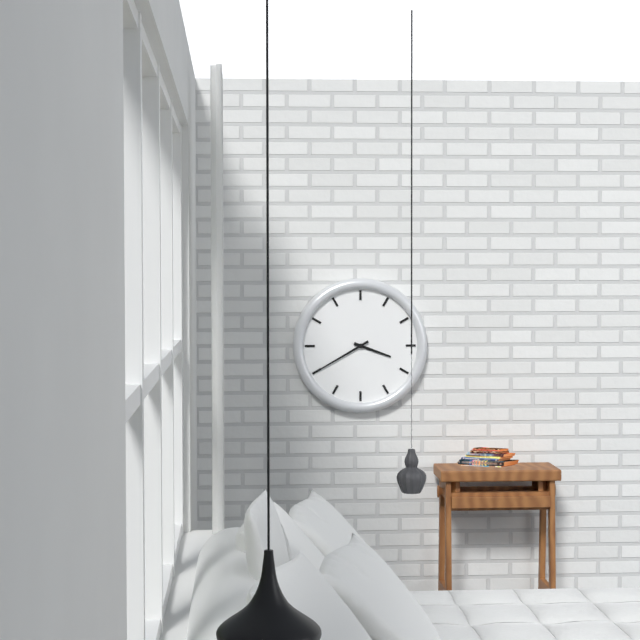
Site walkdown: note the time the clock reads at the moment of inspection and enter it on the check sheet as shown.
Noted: 3:40
